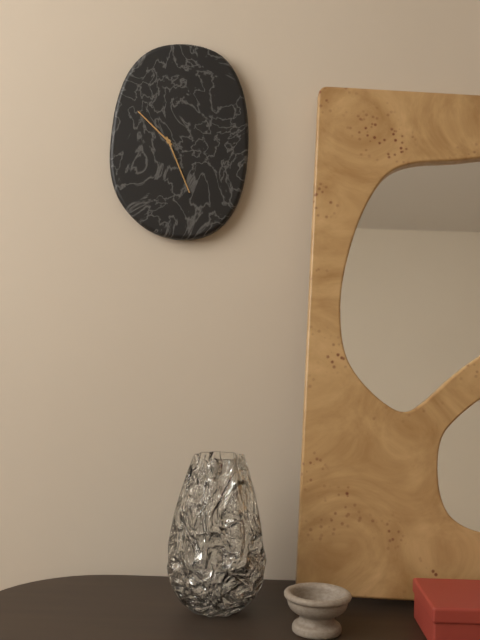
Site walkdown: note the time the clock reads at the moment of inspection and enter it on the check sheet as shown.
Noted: 10:26
